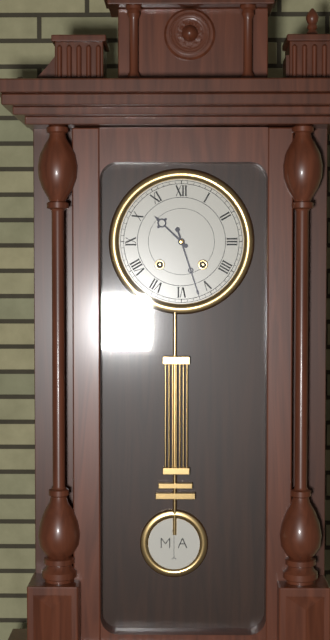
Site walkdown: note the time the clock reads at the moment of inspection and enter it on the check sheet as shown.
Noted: 10:27
